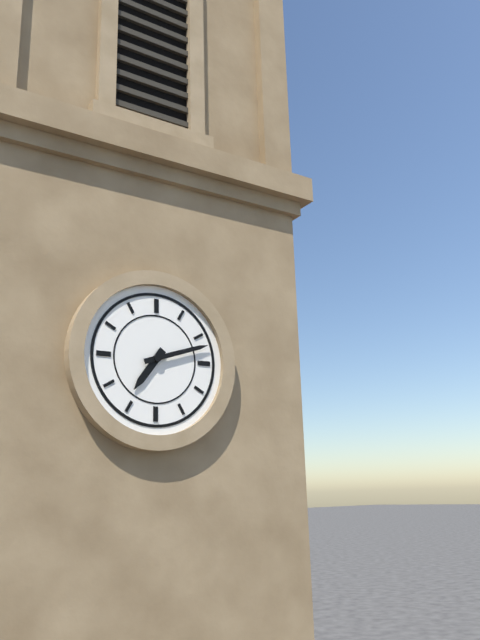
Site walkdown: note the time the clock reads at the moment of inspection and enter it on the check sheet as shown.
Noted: 7:12
